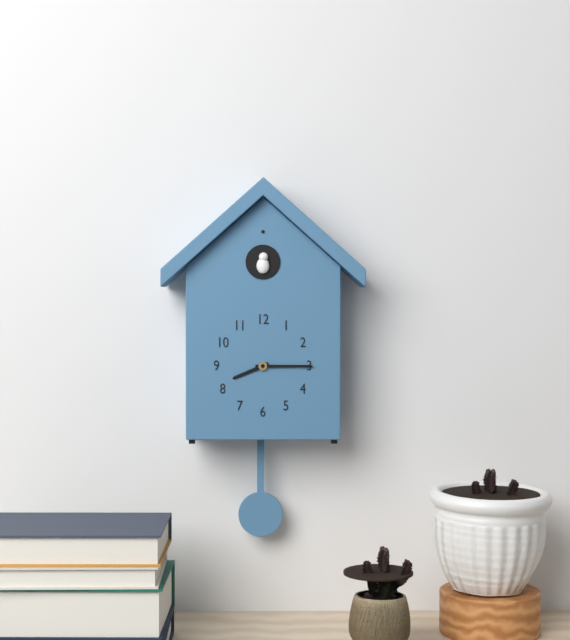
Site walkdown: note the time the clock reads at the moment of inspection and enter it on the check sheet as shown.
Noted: 8:15
